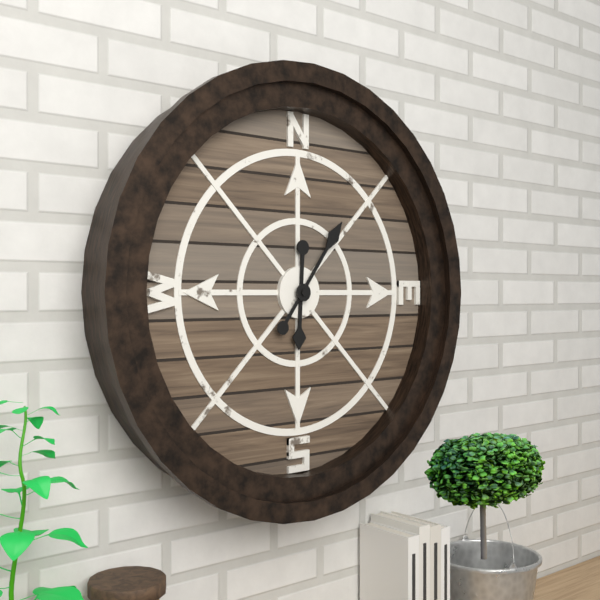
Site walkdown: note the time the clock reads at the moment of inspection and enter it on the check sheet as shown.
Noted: 6:06
